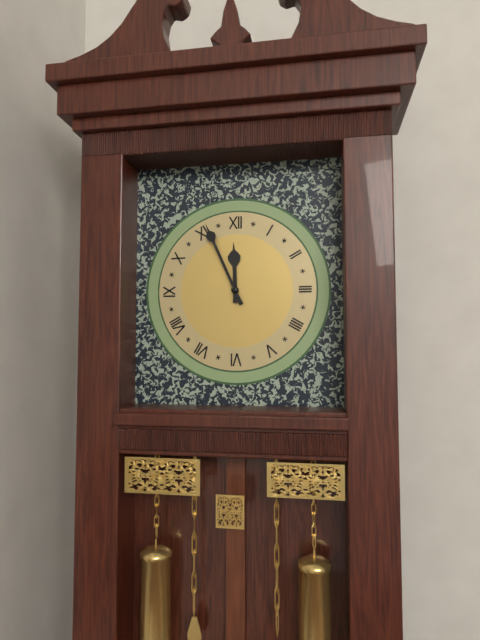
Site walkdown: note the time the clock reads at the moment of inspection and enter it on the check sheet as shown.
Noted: 11:56
